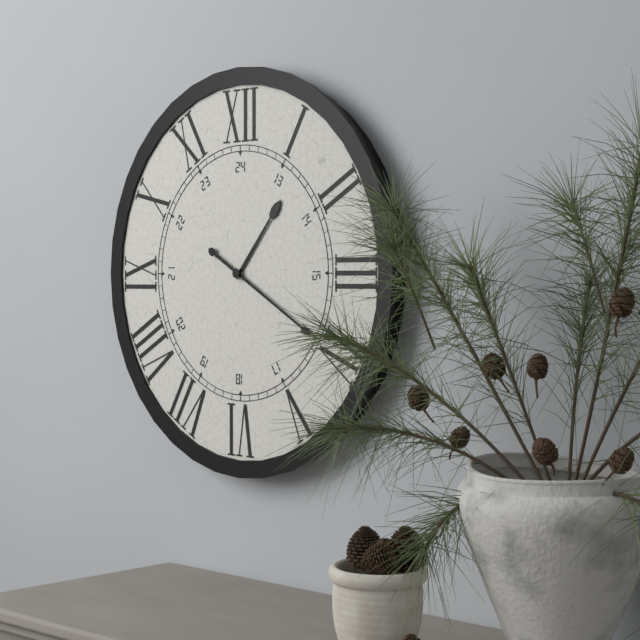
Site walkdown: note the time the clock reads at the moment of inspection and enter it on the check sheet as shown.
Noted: 1:20
